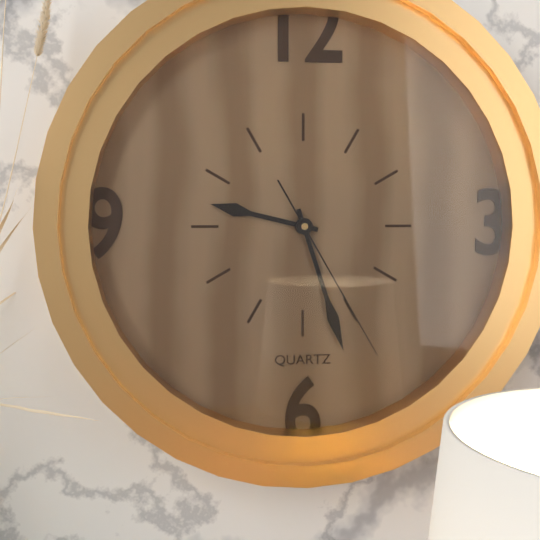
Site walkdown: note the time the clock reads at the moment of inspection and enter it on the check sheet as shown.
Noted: 9:27:25
